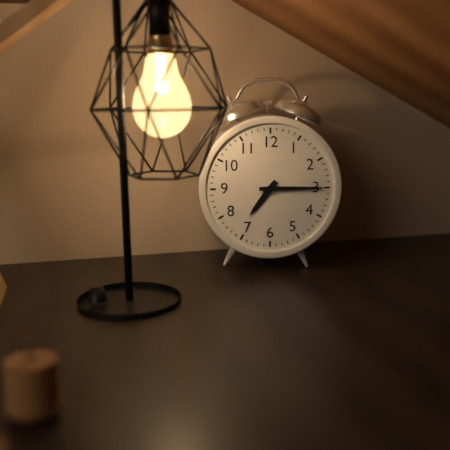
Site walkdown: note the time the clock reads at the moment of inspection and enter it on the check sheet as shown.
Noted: 7:15
